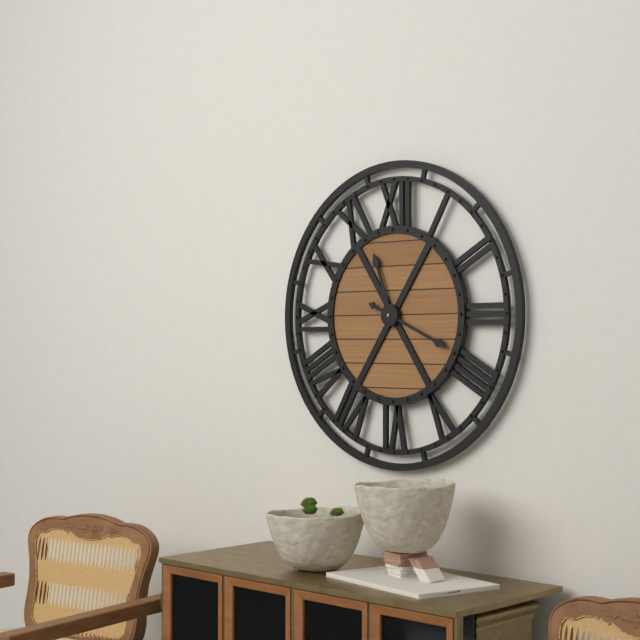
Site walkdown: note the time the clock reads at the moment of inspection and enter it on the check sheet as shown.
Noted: 11:19
